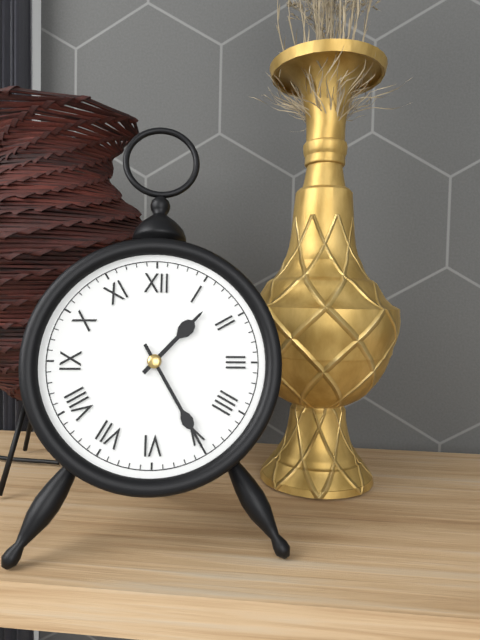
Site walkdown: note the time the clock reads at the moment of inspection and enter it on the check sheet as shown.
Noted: 1:25
